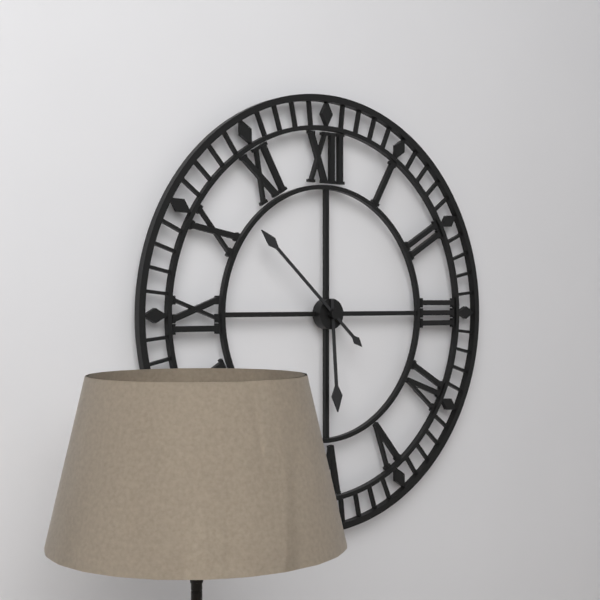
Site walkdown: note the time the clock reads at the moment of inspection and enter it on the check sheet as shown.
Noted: 5:52
